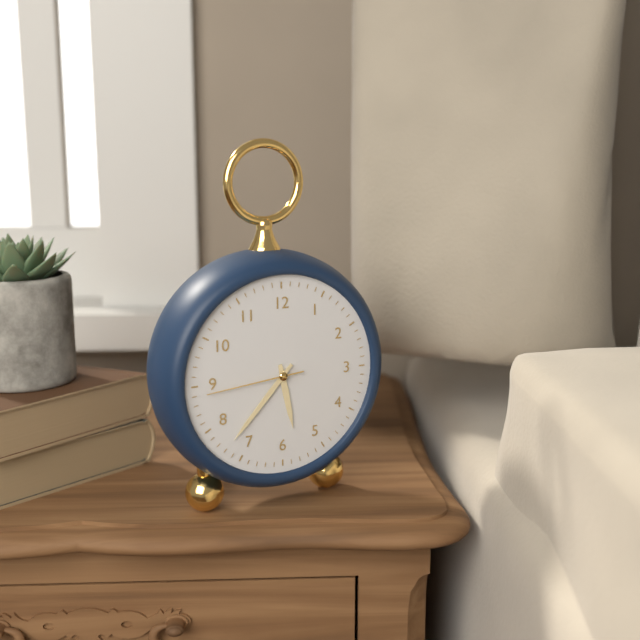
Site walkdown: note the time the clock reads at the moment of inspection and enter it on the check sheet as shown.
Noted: 5:37:44
